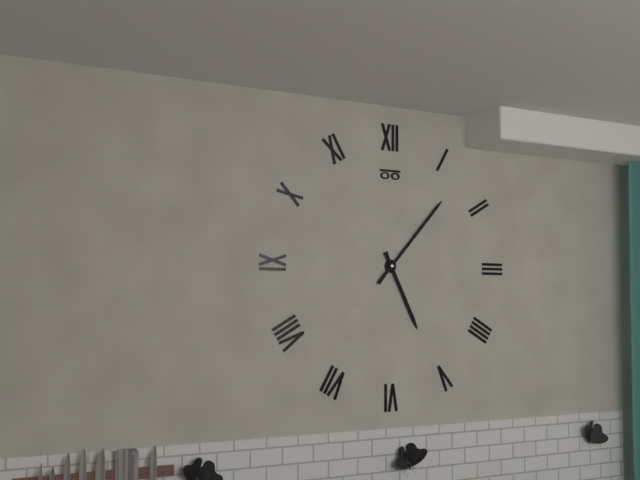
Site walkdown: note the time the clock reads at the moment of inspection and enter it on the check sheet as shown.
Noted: 5:07
